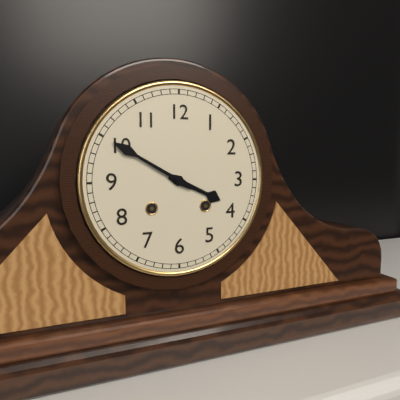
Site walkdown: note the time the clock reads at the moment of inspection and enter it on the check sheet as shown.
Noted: 3:50
